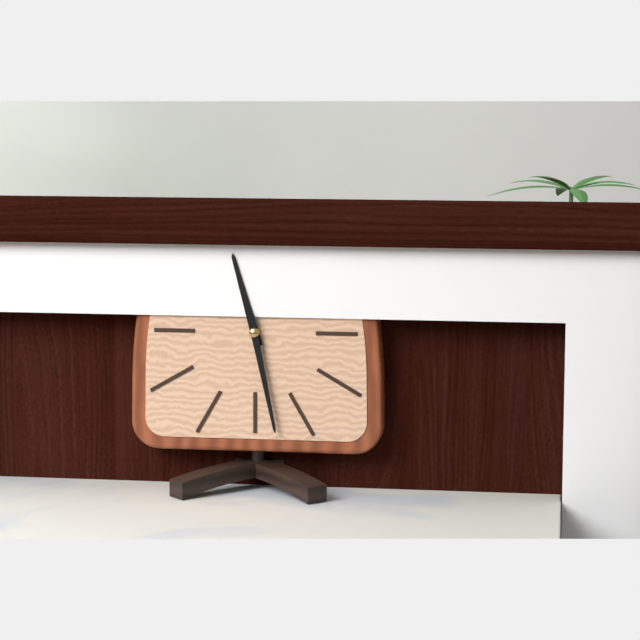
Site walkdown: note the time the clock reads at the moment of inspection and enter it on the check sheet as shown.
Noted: 11:28
